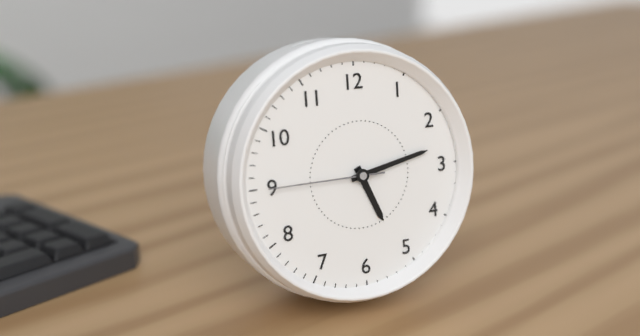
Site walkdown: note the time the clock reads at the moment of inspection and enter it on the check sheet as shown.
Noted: 5:13:45
